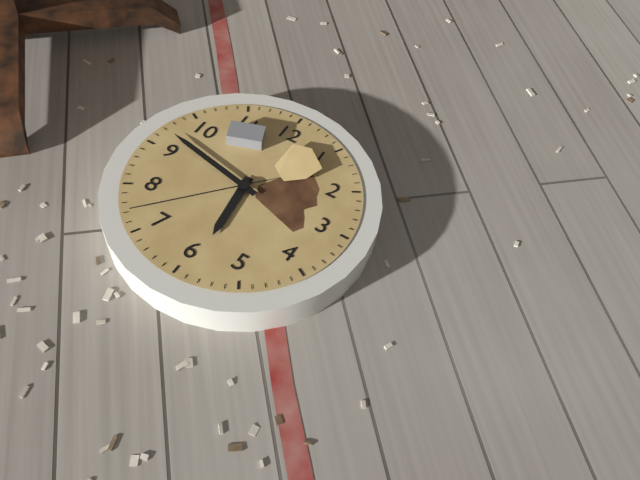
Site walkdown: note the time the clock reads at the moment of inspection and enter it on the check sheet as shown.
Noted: 5:47:37
